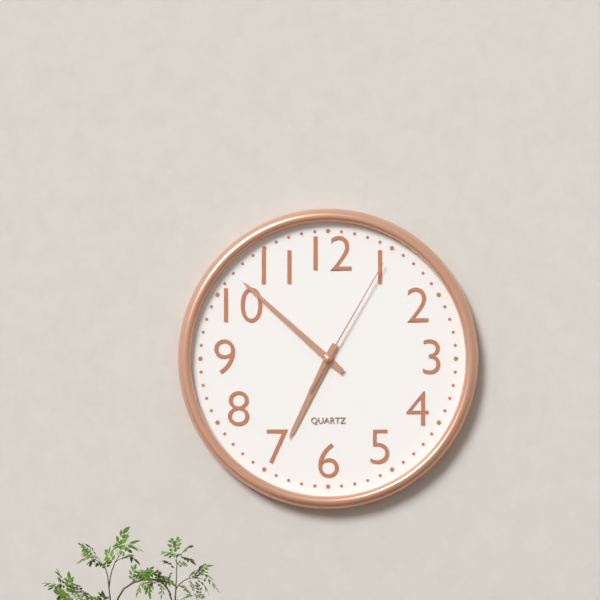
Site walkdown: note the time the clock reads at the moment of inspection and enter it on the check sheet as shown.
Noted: 6:52:05
